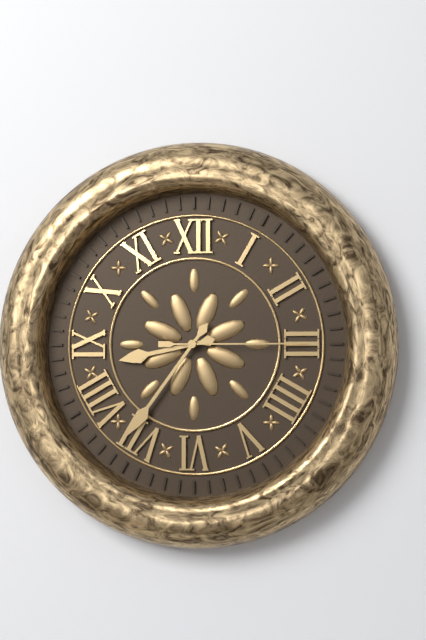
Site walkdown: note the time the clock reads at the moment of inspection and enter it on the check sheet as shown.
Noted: 8:36:15
